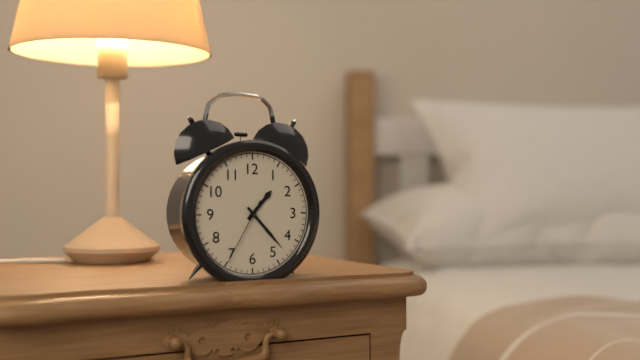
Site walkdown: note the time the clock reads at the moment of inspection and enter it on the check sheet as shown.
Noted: 1:23:35
